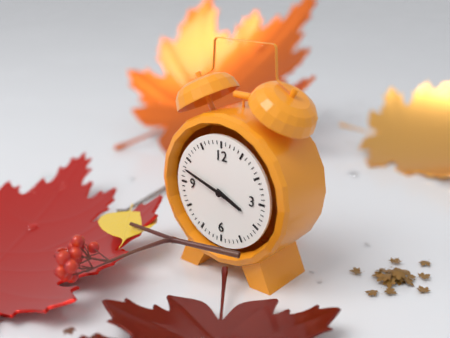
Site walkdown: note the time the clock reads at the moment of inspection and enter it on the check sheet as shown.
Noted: 3:48
